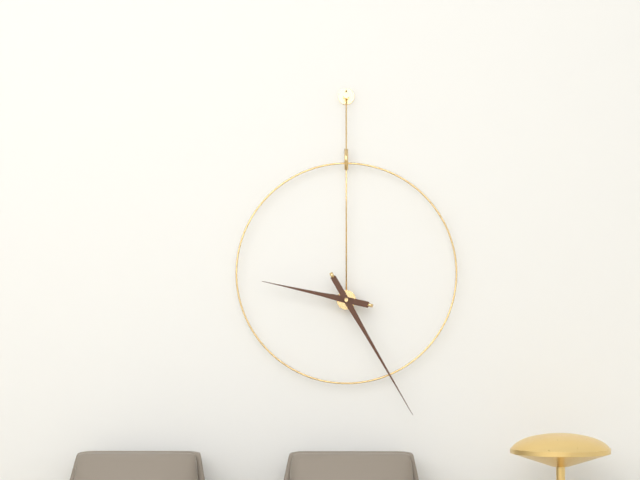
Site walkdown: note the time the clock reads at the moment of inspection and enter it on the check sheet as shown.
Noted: 9:25
